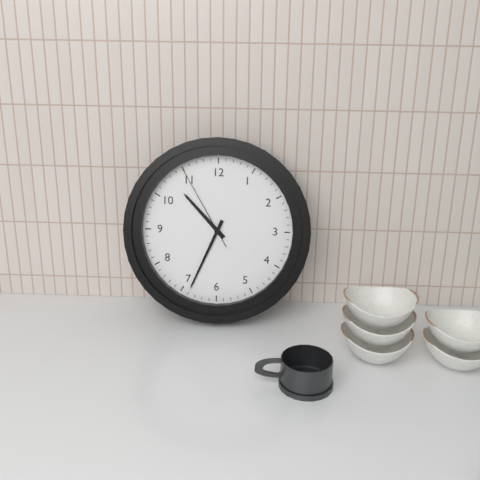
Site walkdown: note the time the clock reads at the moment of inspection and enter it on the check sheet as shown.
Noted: 10:34:55
